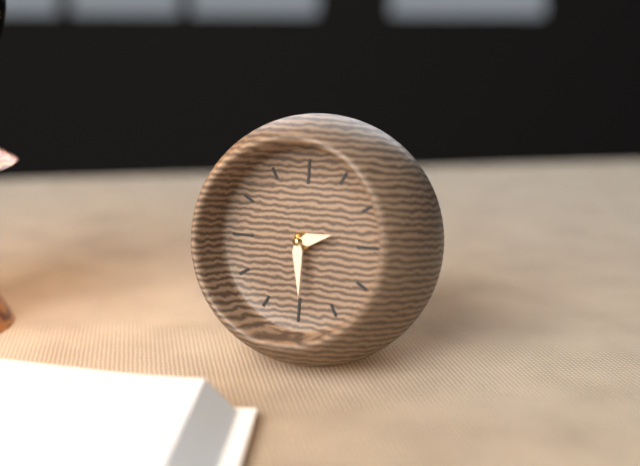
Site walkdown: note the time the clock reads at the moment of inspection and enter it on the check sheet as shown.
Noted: 2:29
